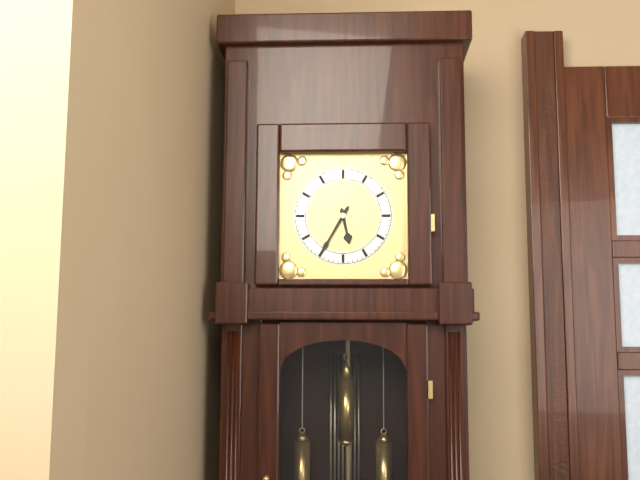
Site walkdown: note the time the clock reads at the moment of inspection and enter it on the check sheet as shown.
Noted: 5:35
